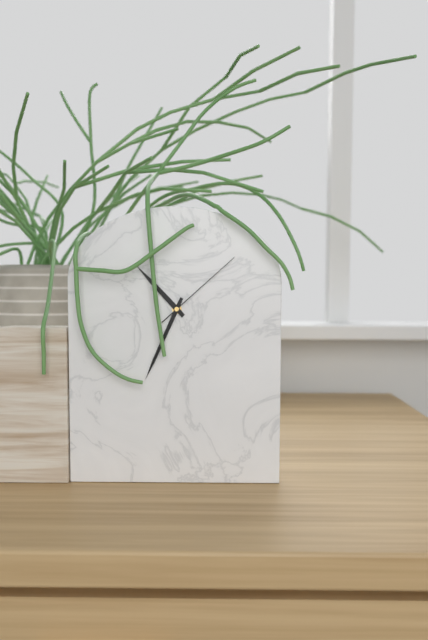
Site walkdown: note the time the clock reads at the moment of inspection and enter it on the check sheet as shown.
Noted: 10:34:08
